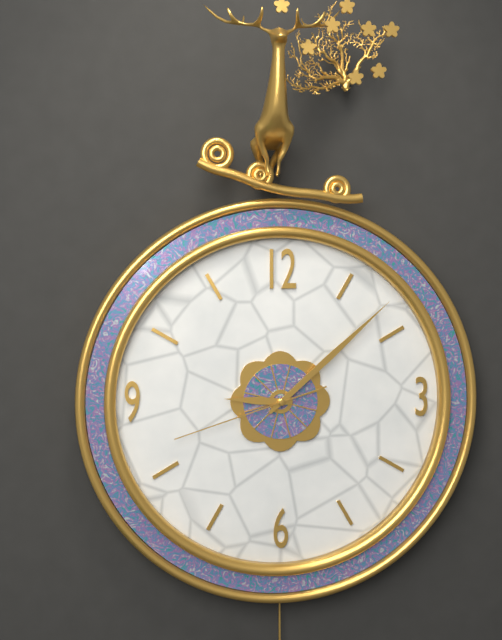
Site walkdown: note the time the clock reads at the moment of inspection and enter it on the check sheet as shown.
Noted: 9:08:42
